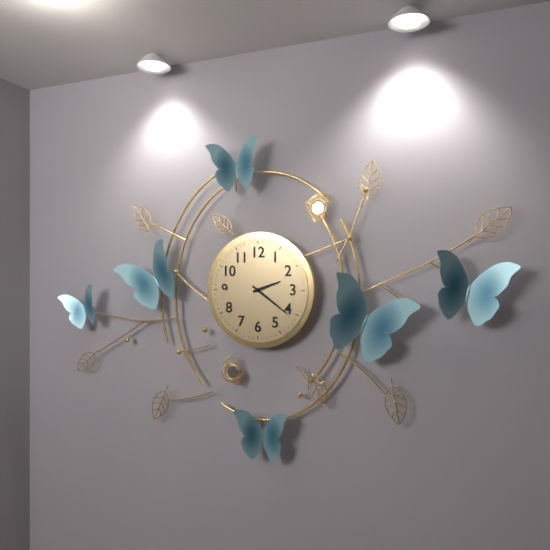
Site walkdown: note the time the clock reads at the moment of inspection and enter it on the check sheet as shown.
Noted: 2:21
